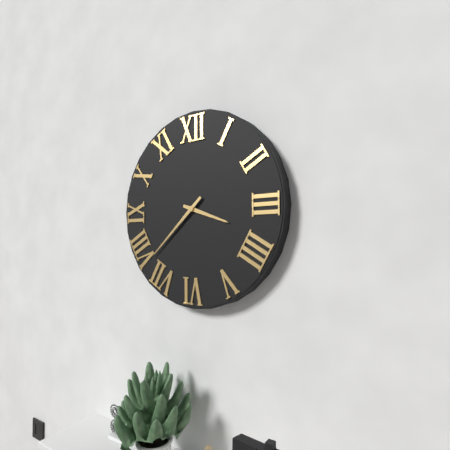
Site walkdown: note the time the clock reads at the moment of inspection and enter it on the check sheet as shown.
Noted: 3:38
